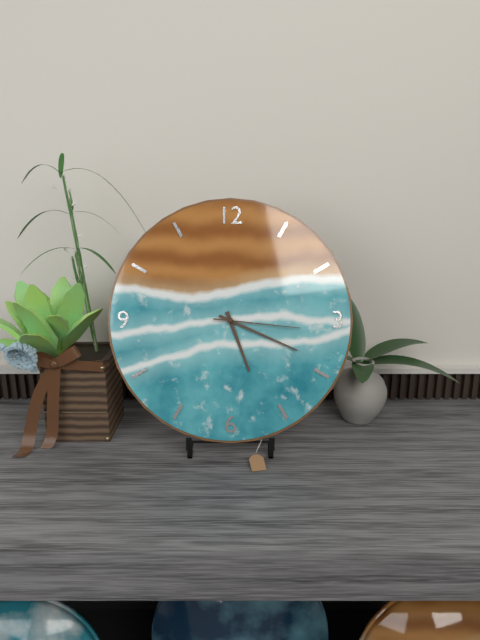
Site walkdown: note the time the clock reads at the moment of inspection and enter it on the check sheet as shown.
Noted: 5:19:16
